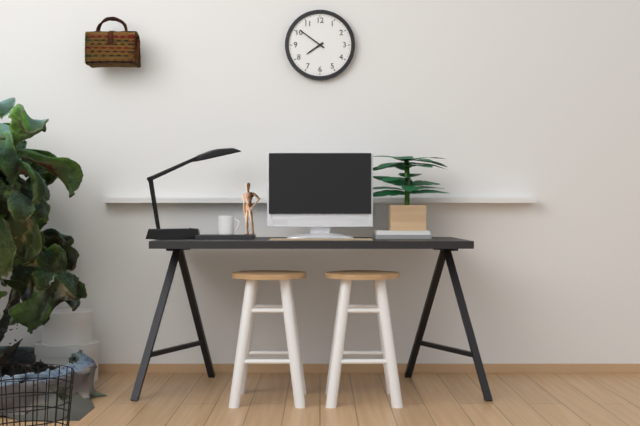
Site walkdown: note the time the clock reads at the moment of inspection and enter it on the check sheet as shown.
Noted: 7:51
